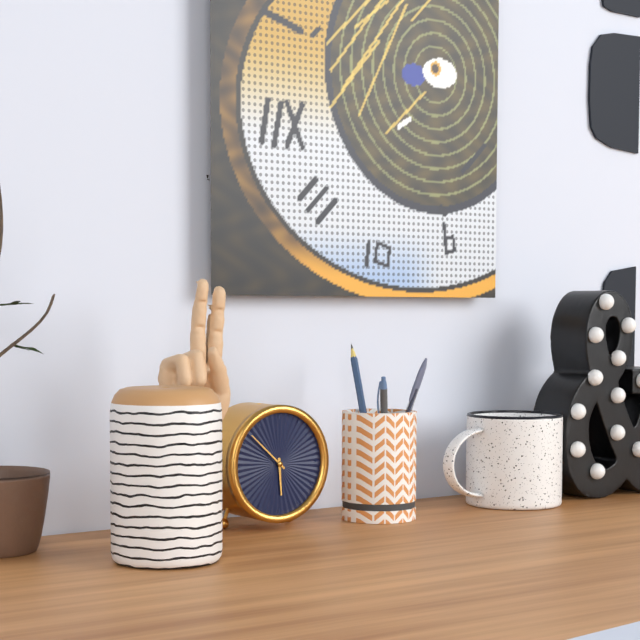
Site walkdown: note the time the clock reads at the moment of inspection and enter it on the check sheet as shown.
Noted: 5:52
